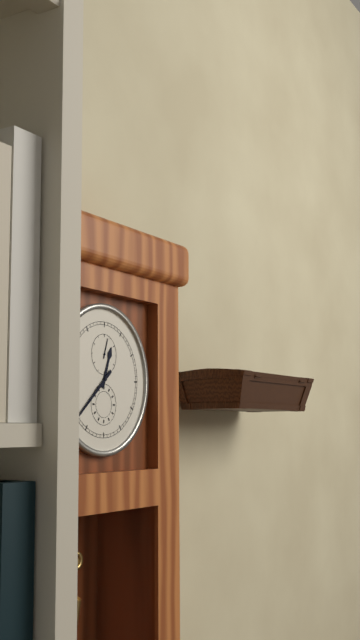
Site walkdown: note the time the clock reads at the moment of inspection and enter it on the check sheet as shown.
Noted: 12:38
